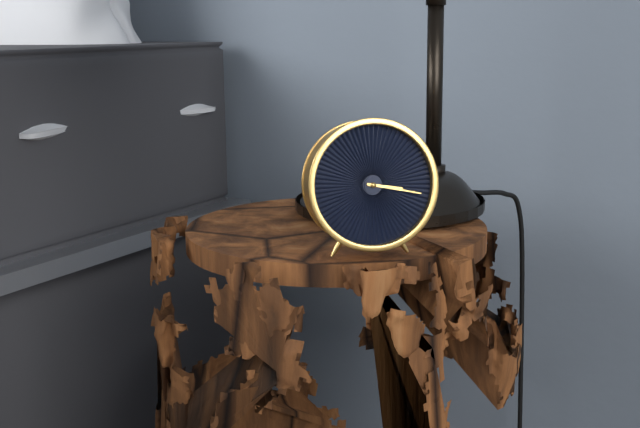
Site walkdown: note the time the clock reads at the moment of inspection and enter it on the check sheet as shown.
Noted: 3:17
